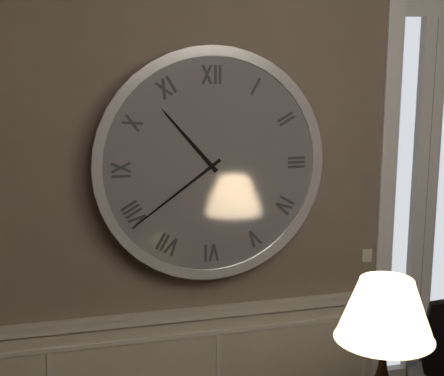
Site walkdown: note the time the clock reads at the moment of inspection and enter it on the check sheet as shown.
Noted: 10:39
